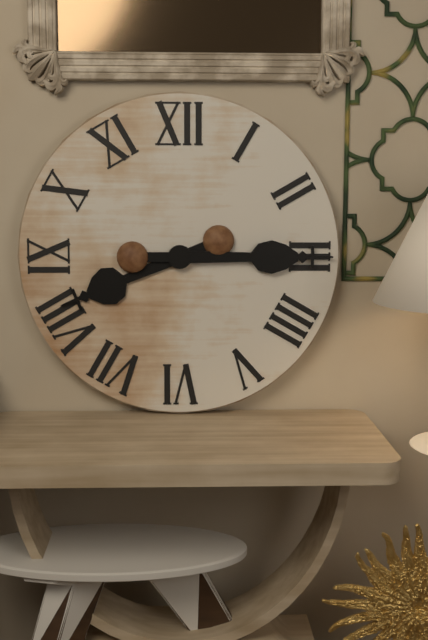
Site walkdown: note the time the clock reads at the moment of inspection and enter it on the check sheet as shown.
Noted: 8:15
